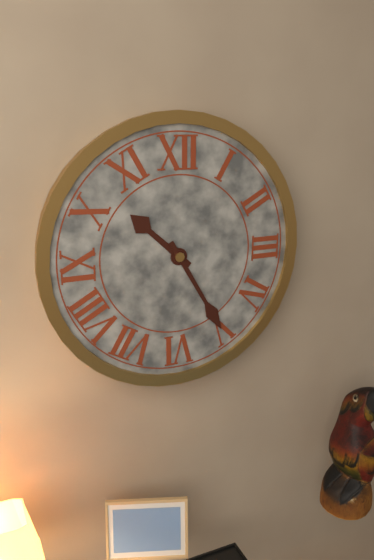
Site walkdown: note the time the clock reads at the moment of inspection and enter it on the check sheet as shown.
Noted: 10:25
